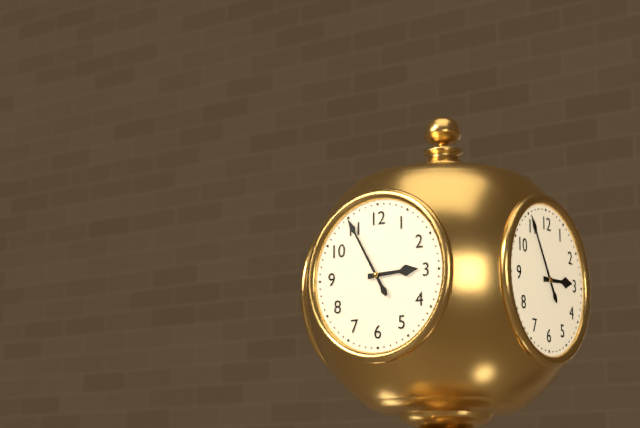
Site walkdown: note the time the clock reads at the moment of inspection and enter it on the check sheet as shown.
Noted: 2:55
